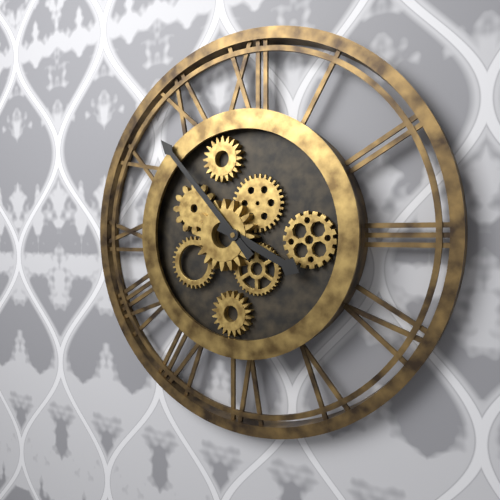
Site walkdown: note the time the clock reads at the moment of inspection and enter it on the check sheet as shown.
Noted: 3:53
